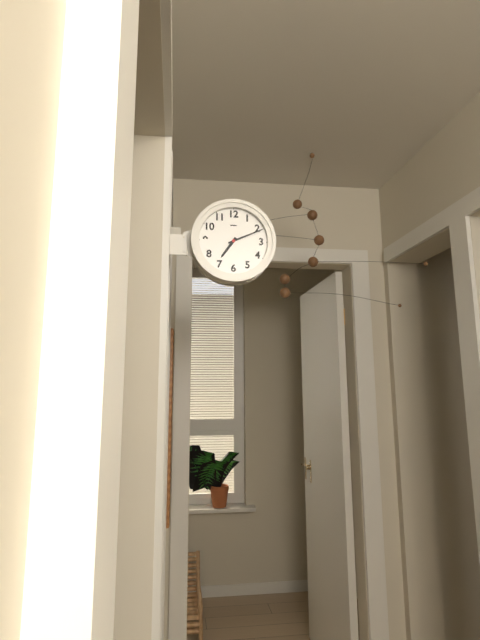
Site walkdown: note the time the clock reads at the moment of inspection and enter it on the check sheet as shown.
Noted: 7:11
